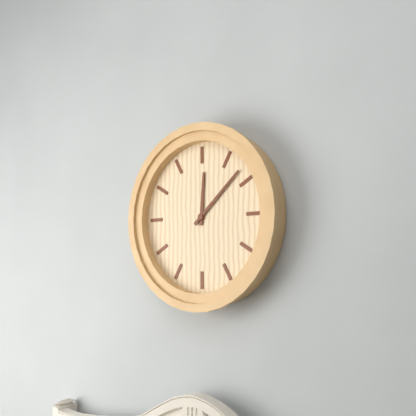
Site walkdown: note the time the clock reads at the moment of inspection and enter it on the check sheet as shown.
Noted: 12:08
